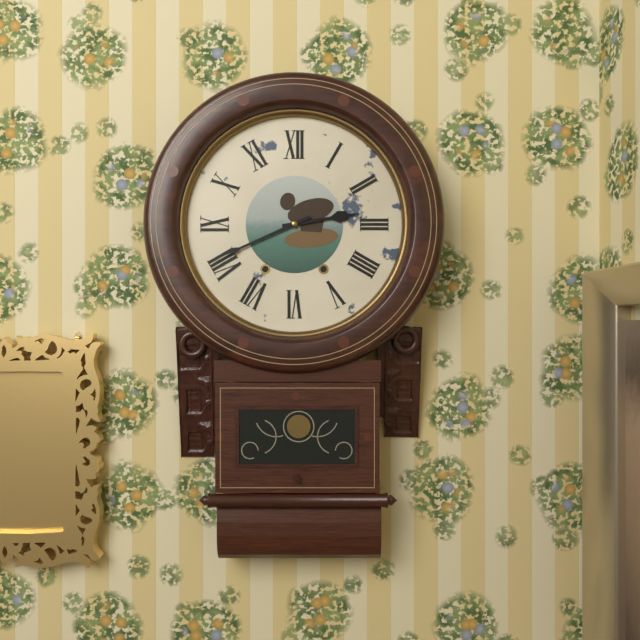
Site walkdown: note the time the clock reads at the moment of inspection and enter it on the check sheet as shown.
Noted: 2:41
